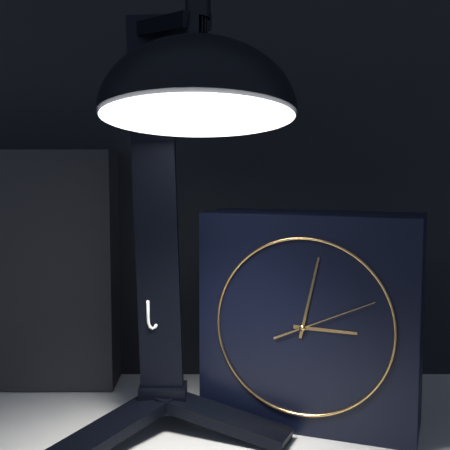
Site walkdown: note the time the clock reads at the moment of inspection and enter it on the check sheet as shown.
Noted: 3:02:11
